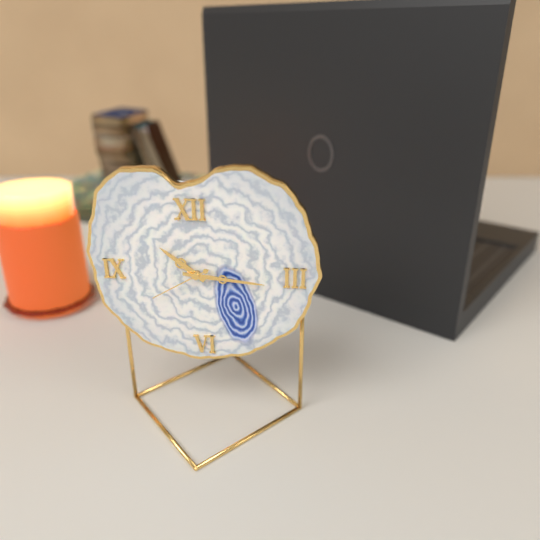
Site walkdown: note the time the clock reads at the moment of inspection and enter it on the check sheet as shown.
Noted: 10:16:40
